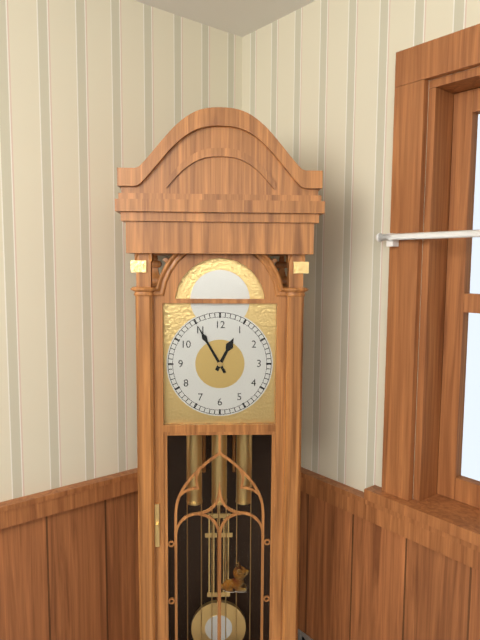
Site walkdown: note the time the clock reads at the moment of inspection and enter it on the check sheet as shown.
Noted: 12:55
